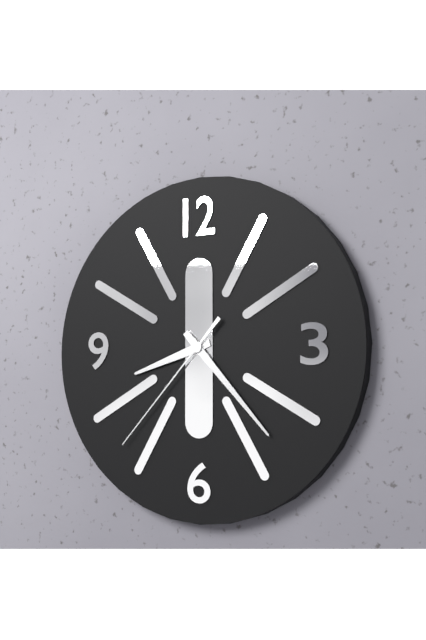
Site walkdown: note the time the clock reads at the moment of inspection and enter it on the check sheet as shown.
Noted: 8:23:37
